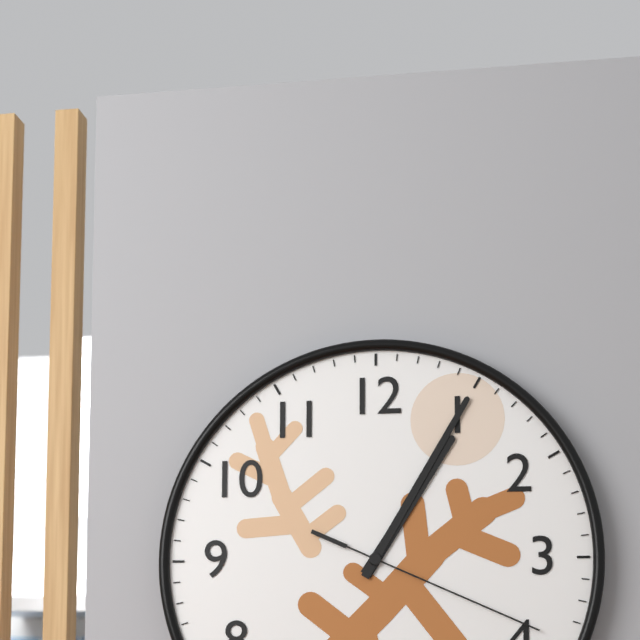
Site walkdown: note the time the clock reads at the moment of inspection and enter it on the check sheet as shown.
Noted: 1:05:19
